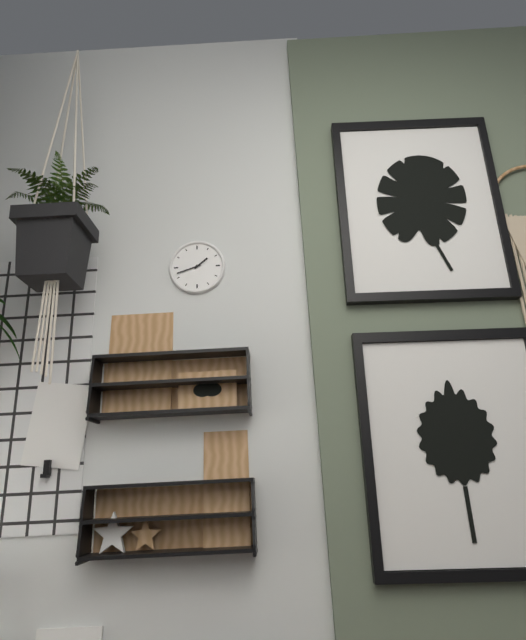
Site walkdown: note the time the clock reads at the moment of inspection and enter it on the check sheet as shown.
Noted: 1:42
